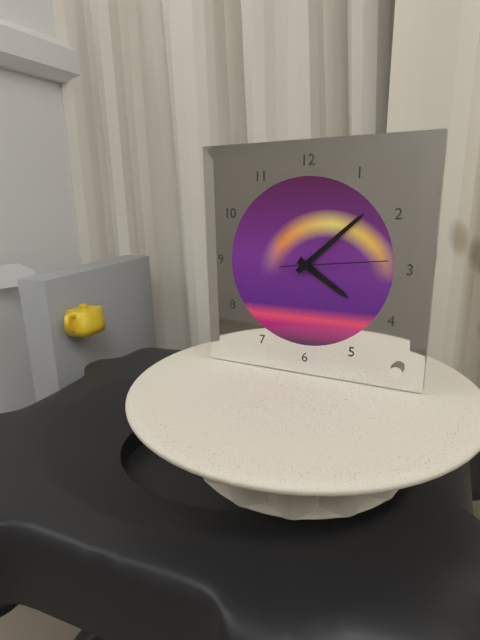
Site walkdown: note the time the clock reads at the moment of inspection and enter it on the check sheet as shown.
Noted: 4:08:14
